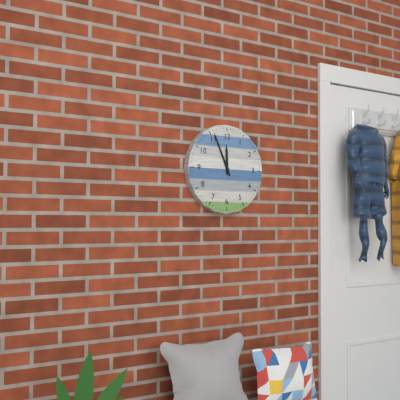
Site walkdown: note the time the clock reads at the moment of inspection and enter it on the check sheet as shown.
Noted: 11:56
